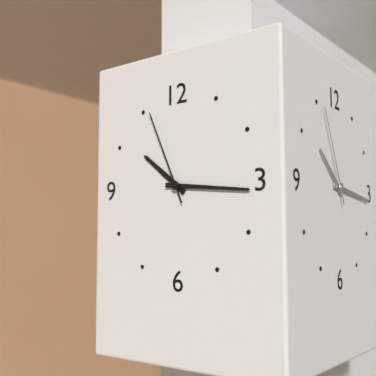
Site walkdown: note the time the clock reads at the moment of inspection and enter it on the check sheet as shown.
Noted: 10:16:56
